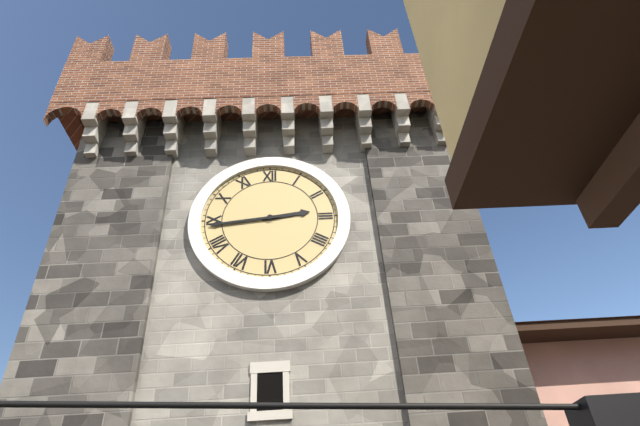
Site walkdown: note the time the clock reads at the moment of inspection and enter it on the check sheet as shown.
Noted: 2:44
